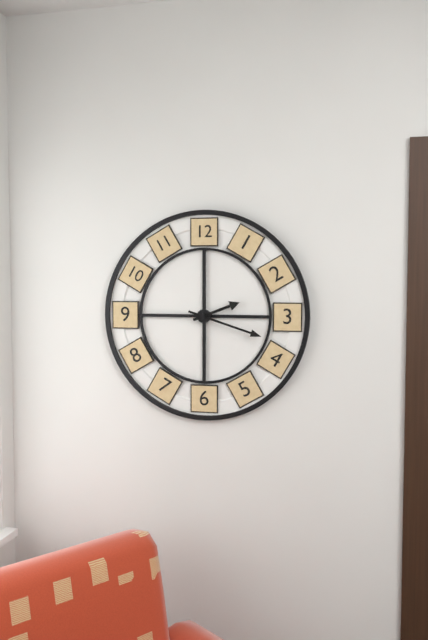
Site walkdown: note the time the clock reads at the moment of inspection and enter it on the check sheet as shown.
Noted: 2:18
